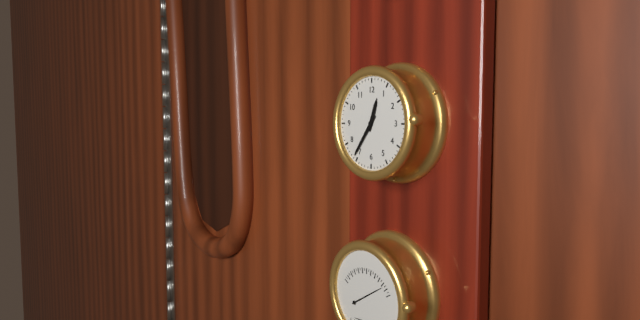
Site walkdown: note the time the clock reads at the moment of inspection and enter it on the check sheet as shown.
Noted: 12:36
